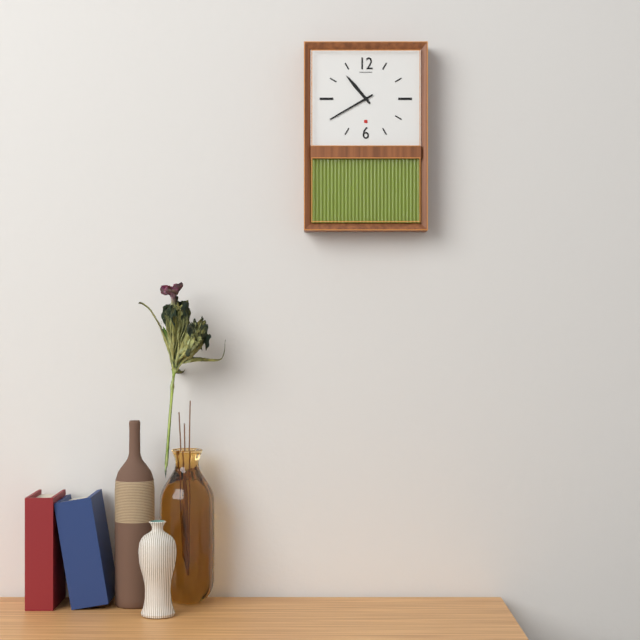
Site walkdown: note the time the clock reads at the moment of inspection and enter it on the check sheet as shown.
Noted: 10:40
